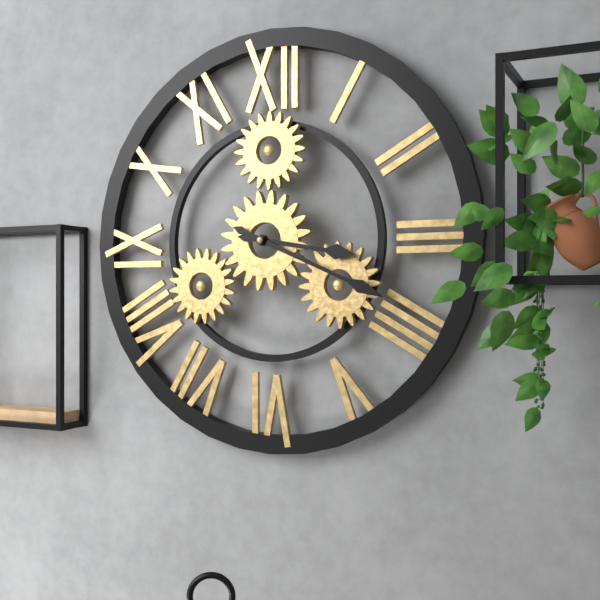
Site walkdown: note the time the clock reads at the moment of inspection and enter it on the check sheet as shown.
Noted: 3:19
